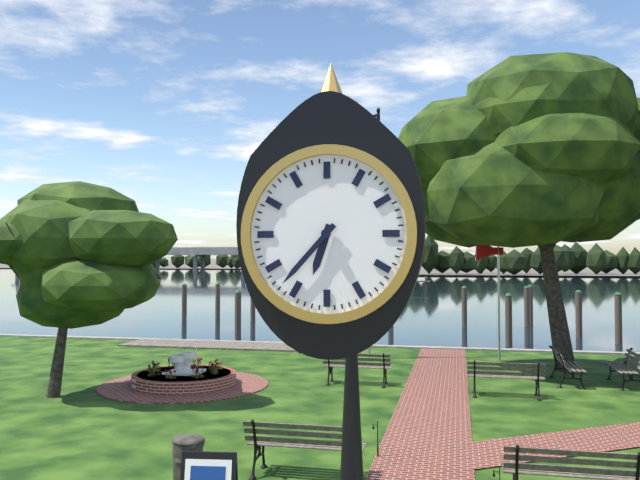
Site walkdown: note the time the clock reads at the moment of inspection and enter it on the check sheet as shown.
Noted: 6:37
